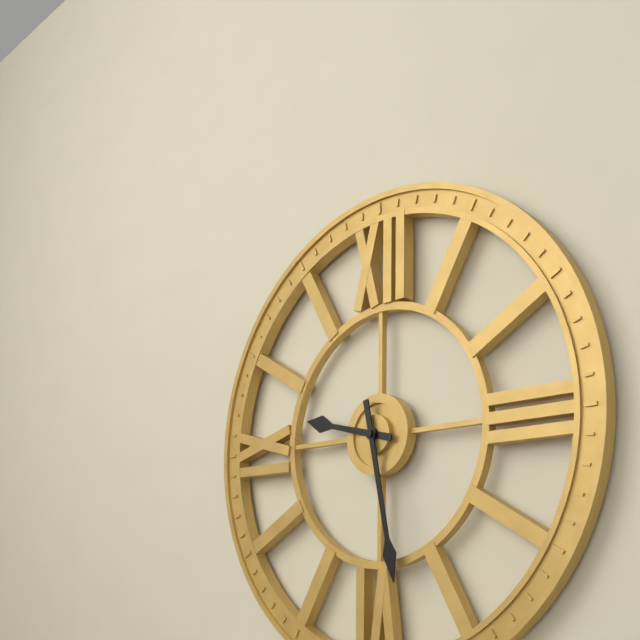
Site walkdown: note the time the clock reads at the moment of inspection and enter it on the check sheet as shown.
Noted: 9:28
